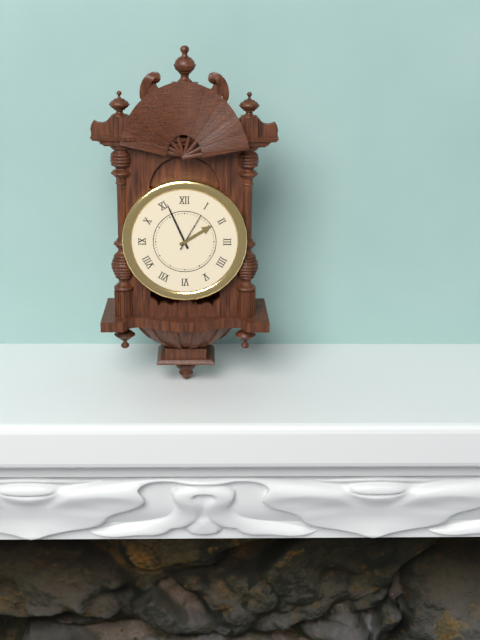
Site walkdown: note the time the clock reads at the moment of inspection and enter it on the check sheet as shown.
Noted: 1:56
